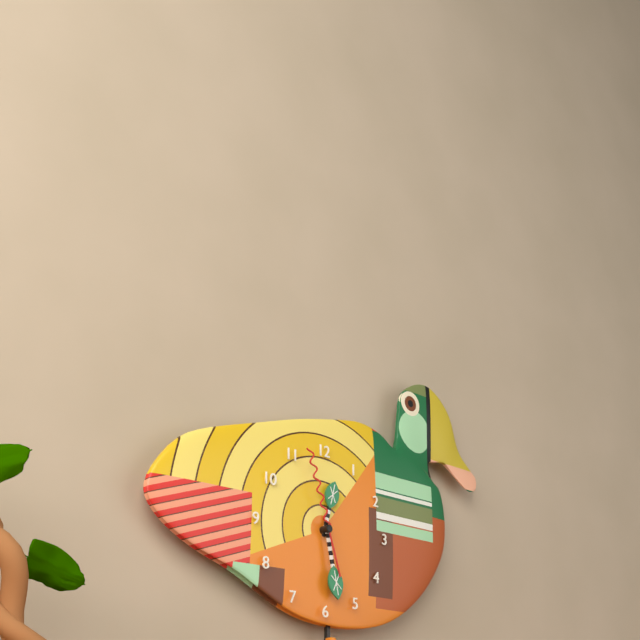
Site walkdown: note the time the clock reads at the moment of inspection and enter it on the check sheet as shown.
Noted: 12:28:57
